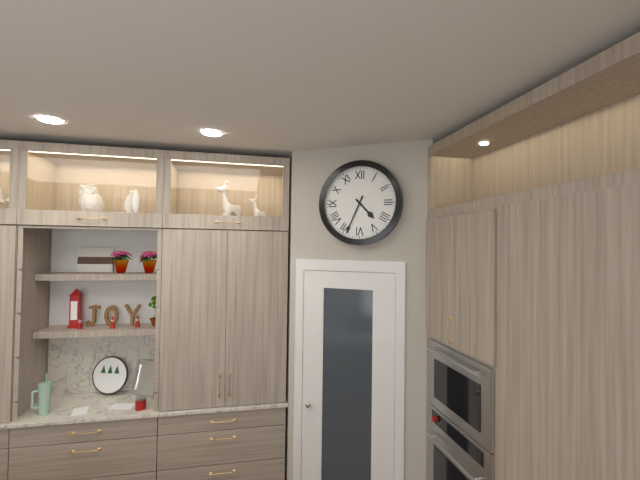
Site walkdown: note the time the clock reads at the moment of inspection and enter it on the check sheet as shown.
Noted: 4:34
